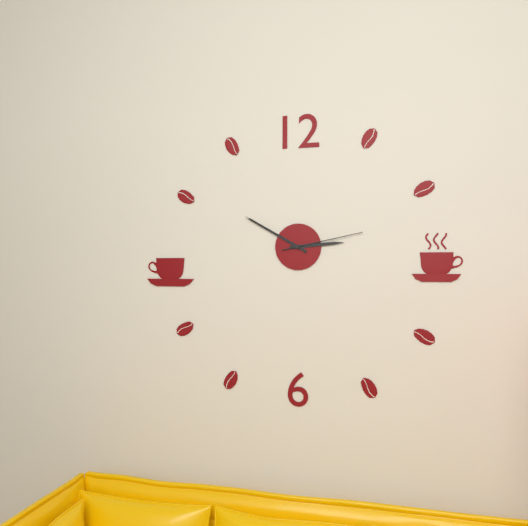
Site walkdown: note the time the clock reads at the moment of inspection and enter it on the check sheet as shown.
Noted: 2:50:13
